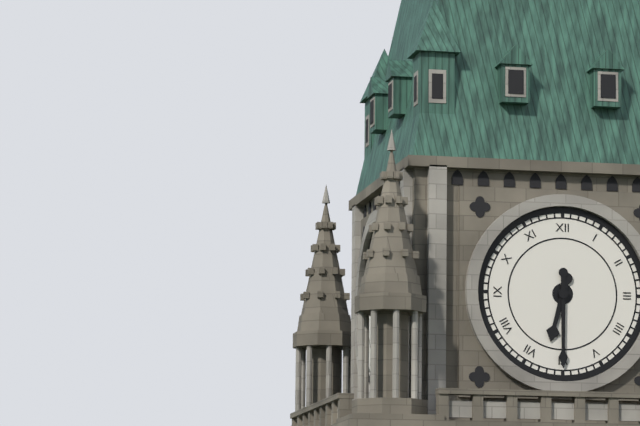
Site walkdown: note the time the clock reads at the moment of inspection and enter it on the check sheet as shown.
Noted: 6:30
